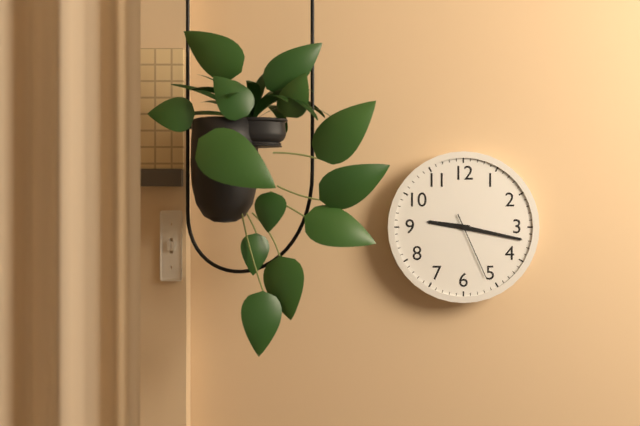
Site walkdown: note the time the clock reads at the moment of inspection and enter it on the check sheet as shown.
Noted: 9:17:26
